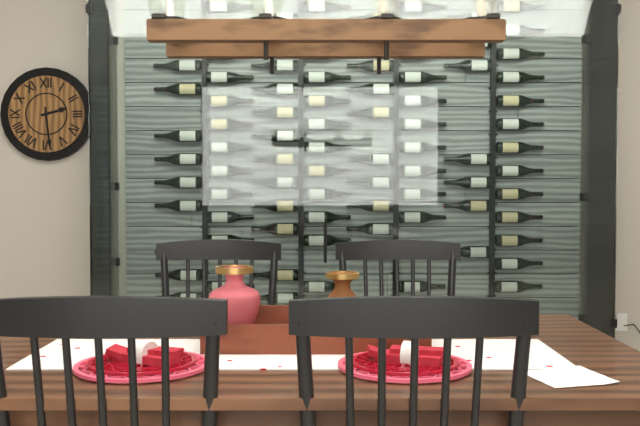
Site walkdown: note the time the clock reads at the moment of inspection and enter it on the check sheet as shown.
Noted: 2:29
